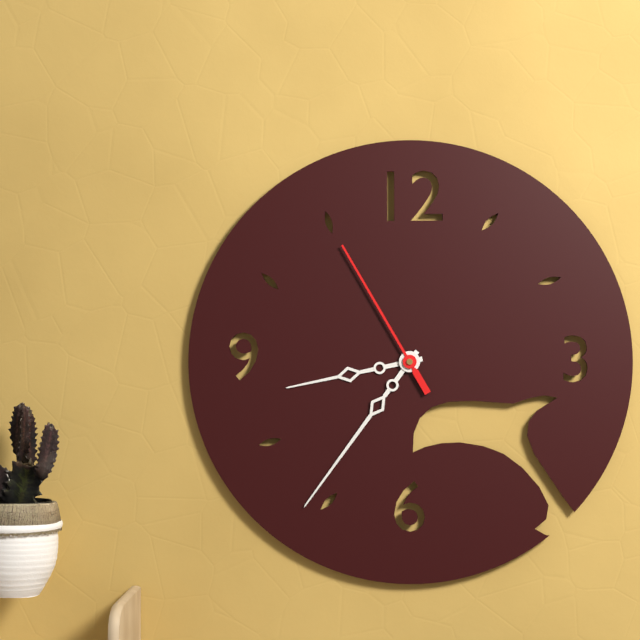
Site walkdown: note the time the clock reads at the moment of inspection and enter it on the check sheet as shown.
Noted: 8:36:55
